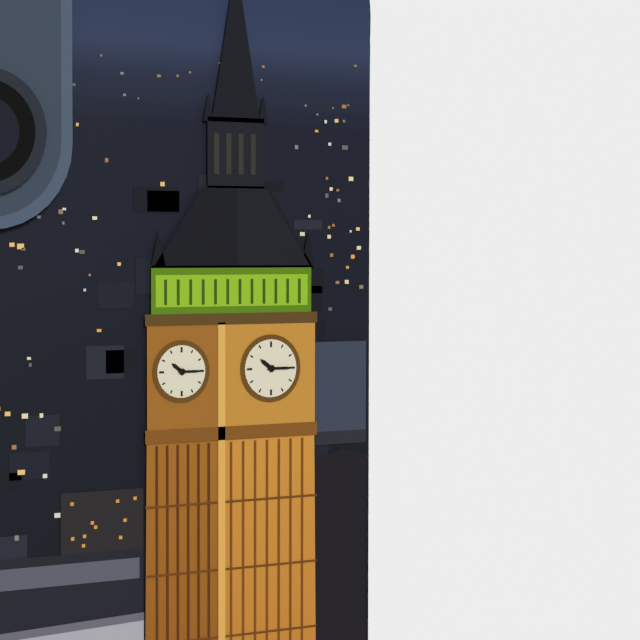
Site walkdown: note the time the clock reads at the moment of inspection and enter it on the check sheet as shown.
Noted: 10:15
